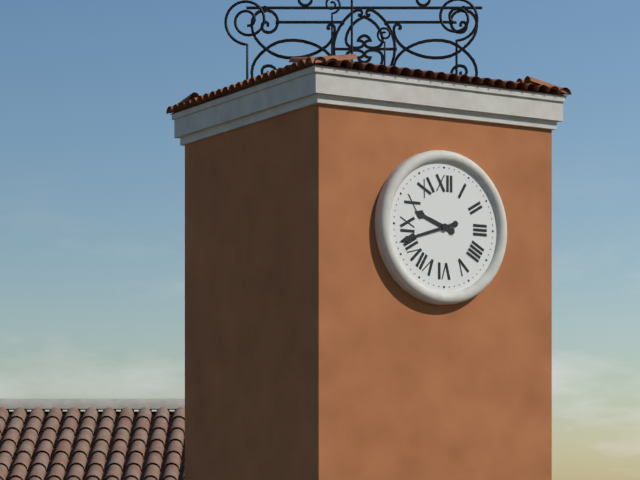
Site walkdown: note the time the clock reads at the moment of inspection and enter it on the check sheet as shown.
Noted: 9:42
